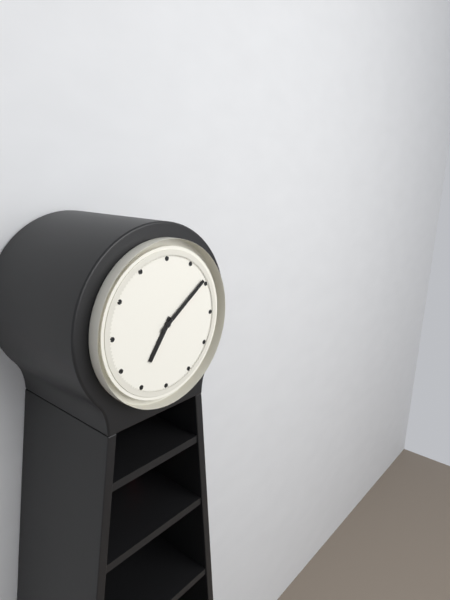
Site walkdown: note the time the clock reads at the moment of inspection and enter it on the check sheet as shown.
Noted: 7:09
